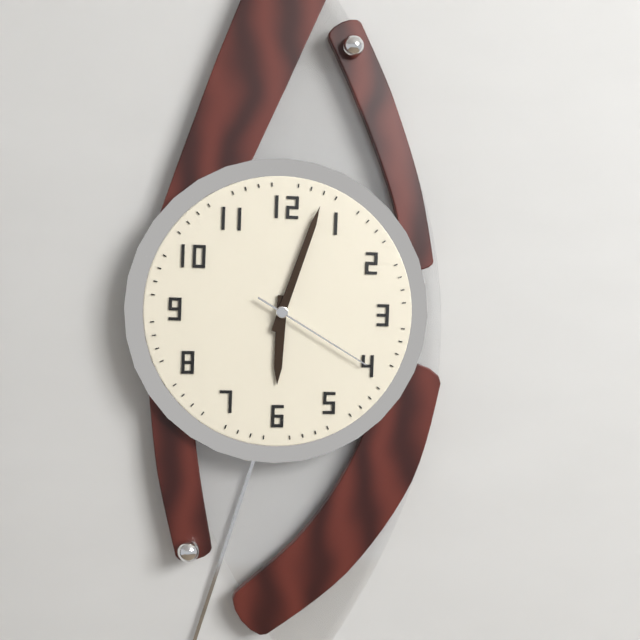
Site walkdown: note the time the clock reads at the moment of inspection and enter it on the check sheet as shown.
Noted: 6:03:20
